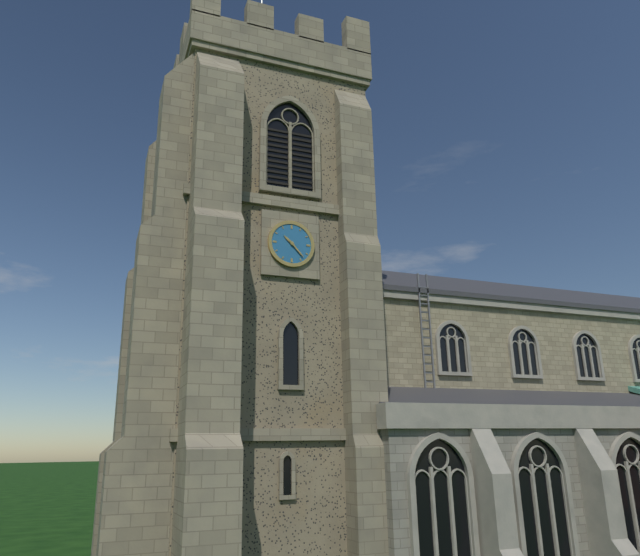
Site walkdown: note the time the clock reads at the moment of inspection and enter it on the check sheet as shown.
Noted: 10:23
